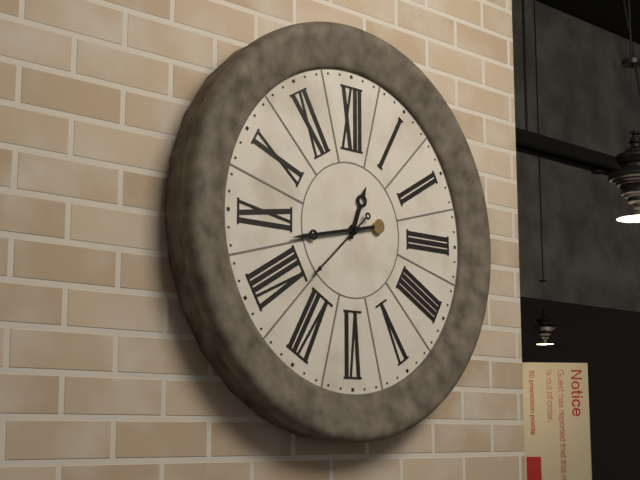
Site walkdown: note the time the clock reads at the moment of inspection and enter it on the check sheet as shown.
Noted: 12:43:38
